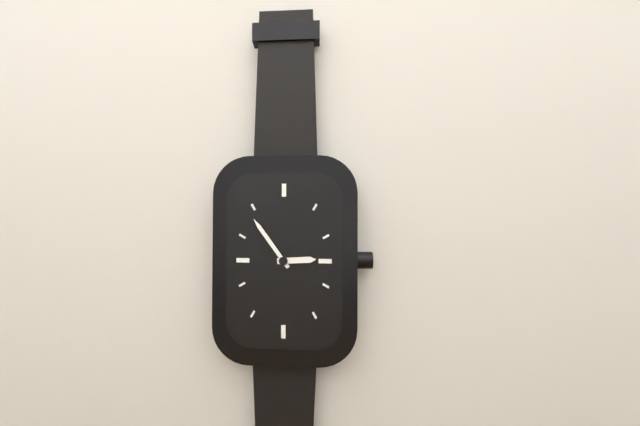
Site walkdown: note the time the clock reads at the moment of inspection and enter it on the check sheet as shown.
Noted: 2:54
